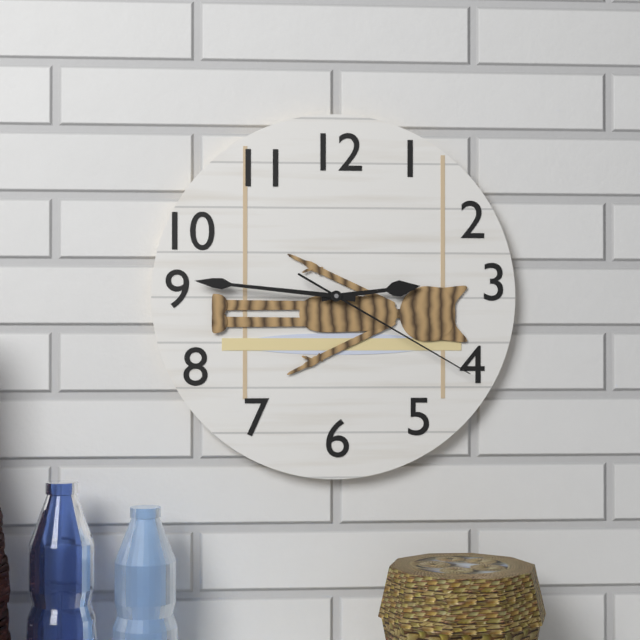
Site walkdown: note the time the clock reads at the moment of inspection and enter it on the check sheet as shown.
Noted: 2:46:20
